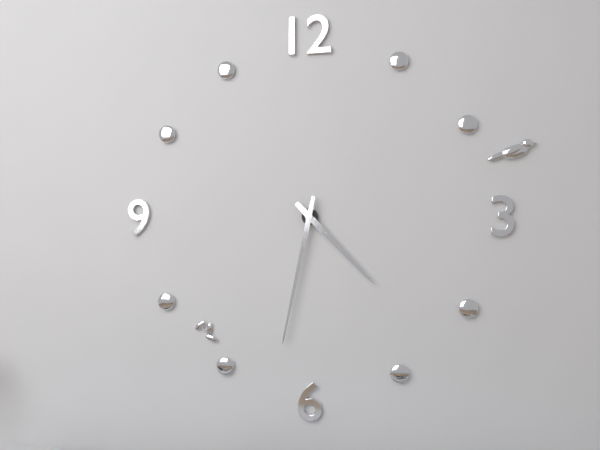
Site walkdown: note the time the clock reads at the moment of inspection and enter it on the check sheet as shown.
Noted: 4:32
